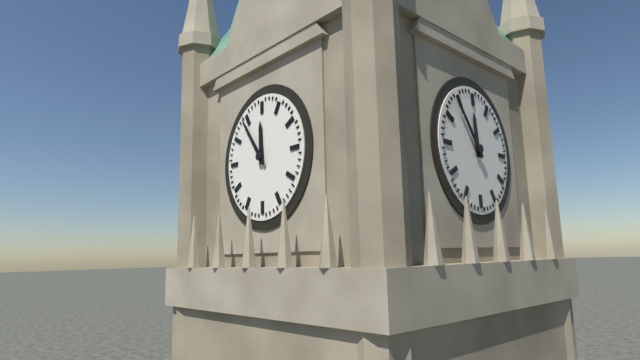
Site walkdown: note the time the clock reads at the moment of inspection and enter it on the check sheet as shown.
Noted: 11:54
